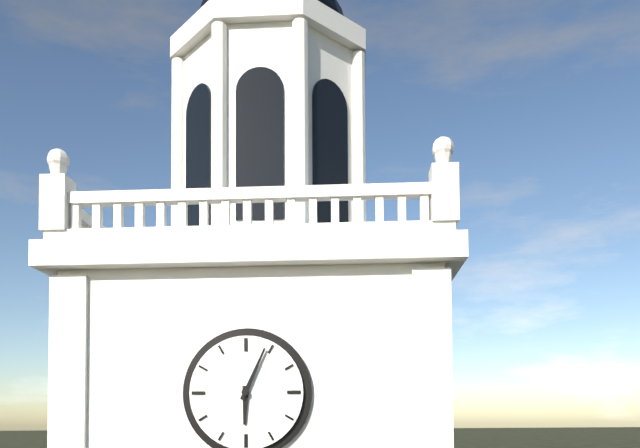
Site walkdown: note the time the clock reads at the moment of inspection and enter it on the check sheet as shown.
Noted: 6:04
